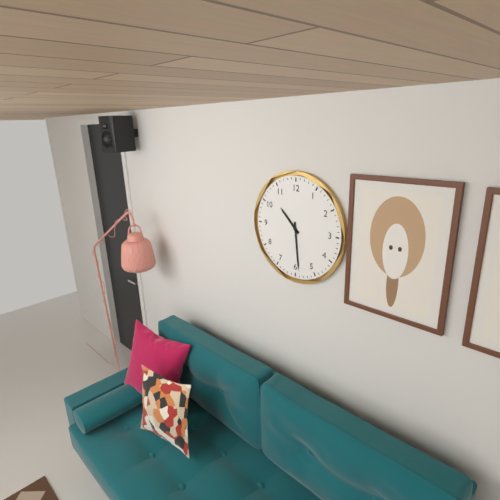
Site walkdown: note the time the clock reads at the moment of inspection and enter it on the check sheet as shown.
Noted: 10:29
